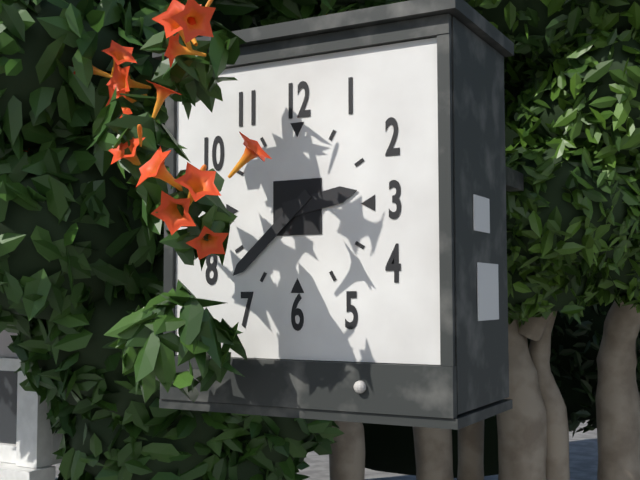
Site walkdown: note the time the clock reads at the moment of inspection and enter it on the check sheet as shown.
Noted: 2:38
